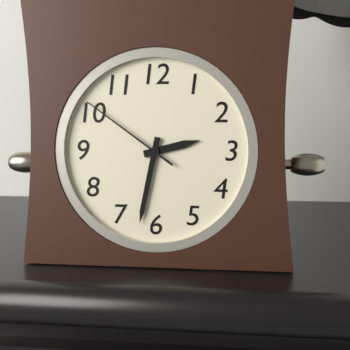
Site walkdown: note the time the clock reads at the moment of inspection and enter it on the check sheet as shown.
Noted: 2:32:51
